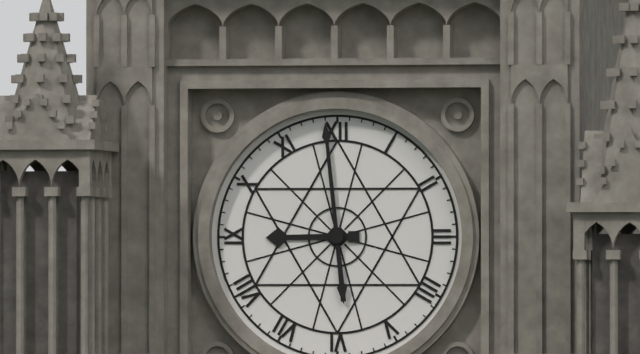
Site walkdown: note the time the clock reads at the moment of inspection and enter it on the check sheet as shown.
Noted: 8:59
